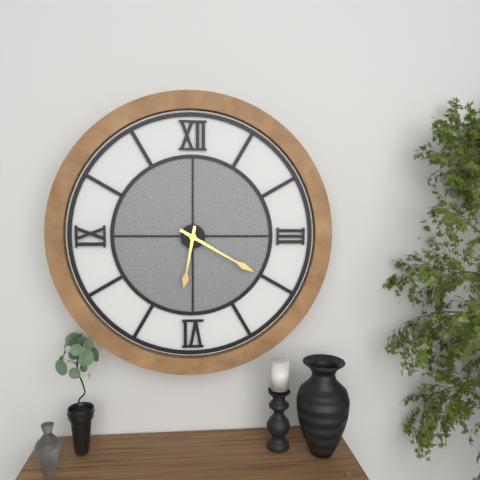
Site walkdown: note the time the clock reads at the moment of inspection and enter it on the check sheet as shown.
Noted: 6:20
